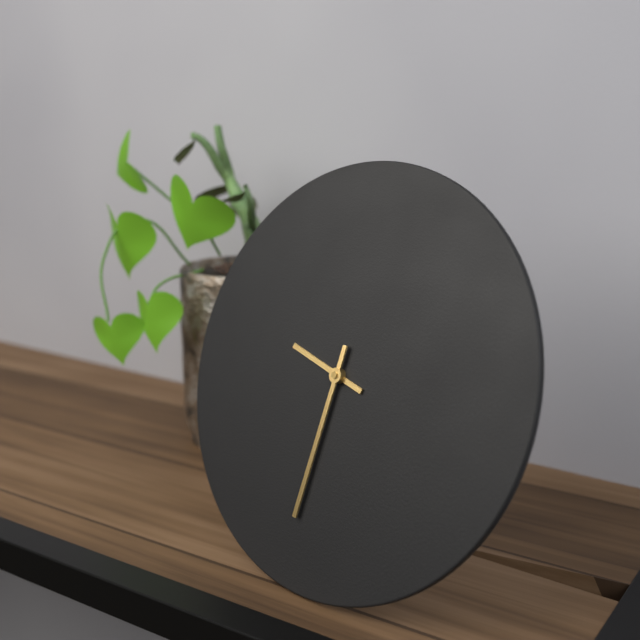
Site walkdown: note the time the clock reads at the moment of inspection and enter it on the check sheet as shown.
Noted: 9:31
